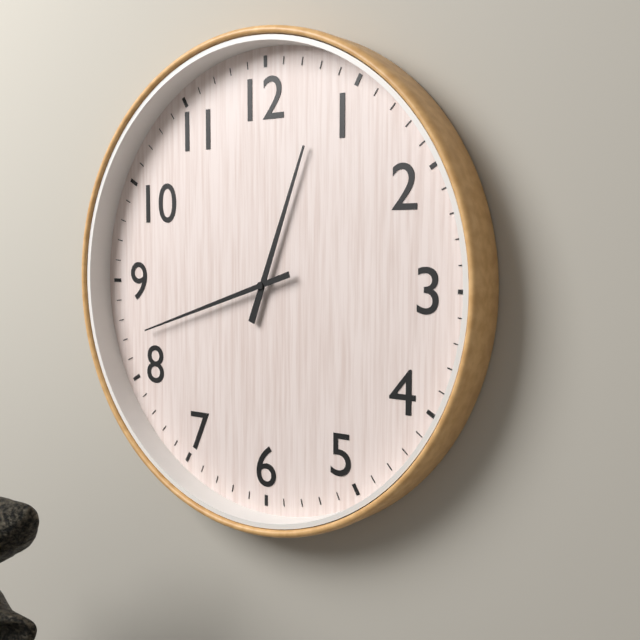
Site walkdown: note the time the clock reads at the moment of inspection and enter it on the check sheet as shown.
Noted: 12:42
